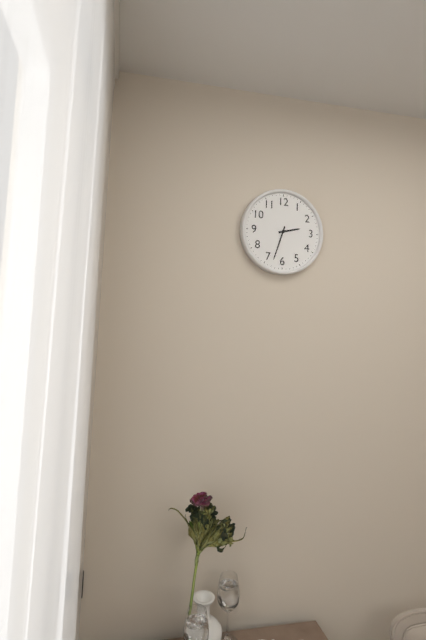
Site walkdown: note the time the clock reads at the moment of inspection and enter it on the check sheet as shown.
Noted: 2:33
